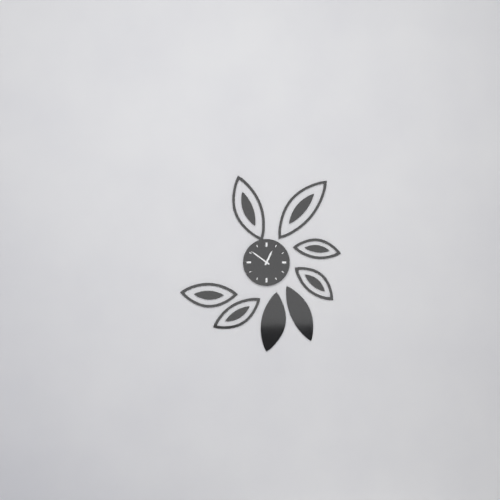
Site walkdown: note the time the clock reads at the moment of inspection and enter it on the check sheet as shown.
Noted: 12:51
